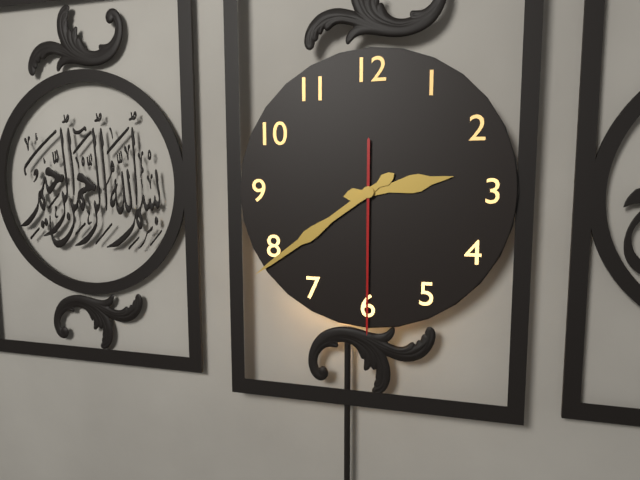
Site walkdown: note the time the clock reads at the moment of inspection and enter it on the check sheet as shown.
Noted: 2:39:30
